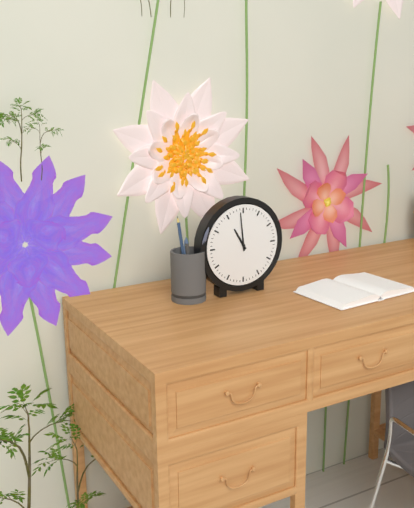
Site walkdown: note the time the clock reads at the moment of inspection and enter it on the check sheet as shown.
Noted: 10:59
